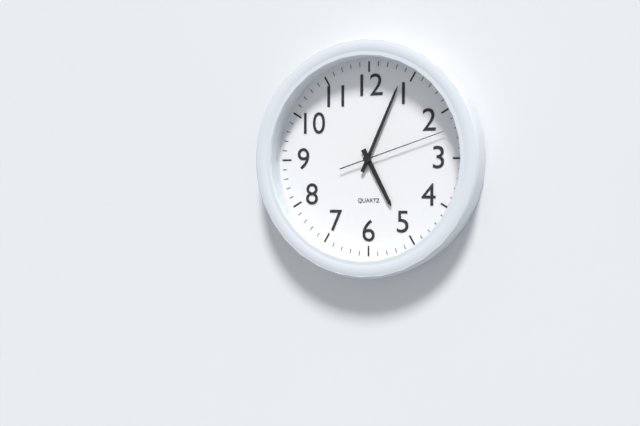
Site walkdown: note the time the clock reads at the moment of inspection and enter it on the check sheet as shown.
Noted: 5:04:12
